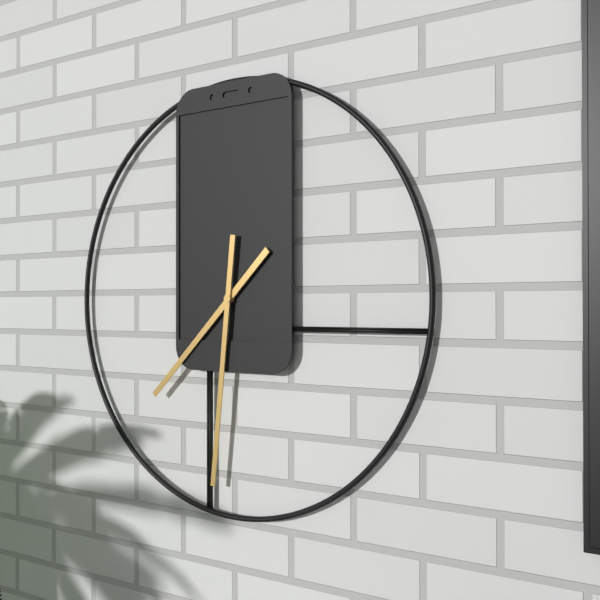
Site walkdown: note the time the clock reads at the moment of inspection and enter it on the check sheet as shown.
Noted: 7:31
